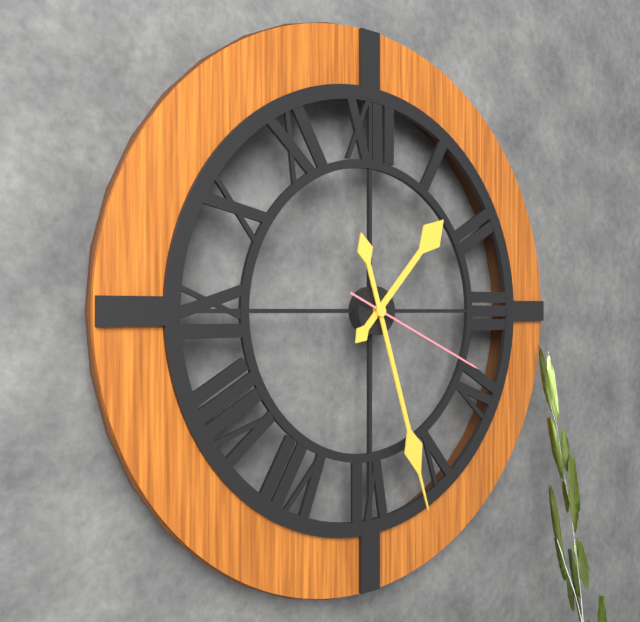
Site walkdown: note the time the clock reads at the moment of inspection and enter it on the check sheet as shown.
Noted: 1:27:19
